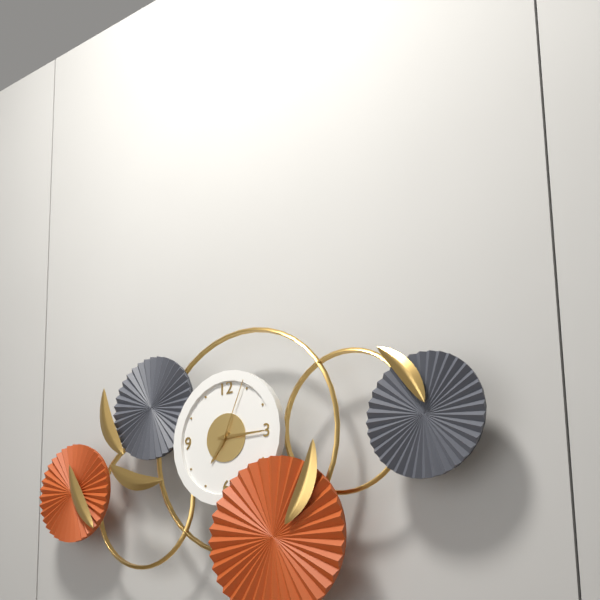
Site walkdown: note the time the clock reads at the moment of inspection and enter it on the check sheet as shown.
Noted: 7:15:04
